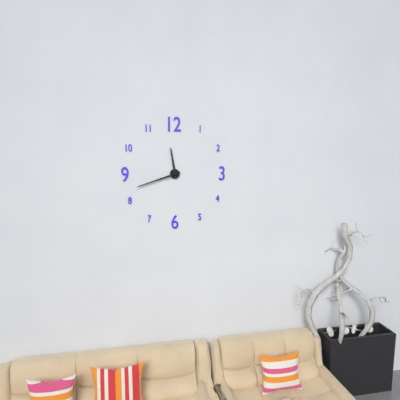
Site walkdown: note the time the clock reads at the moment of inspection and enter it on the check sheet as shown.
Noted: 11:42
